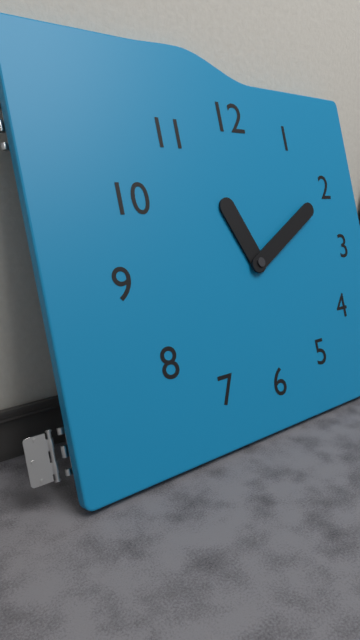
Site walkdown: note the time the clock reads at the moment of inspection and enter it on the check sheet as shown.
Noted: 11:10
